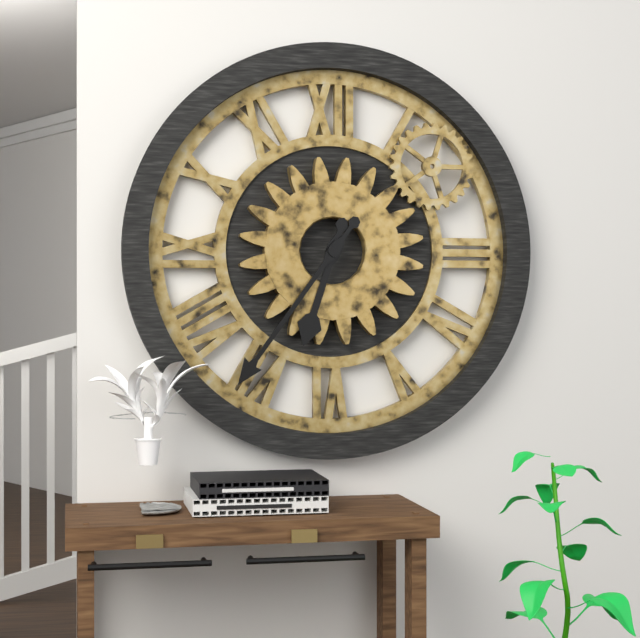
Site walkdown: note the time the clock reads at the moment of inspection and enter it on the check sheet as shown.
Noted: 6:36
